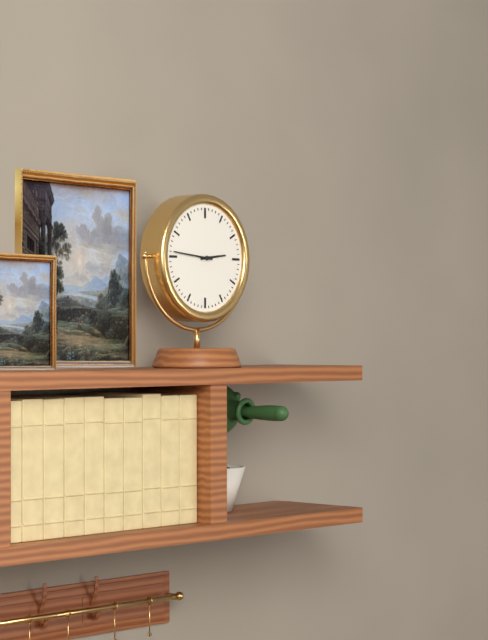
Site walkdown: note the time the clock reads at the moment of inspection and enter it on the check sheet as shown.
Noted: 2:46
